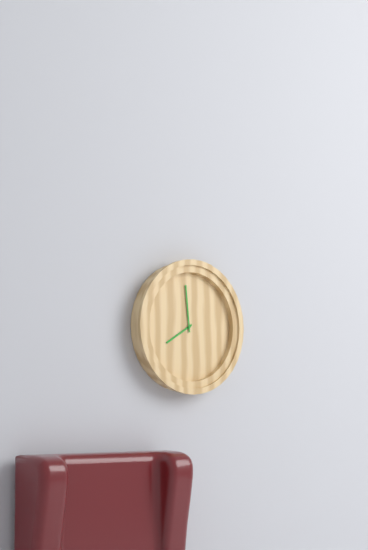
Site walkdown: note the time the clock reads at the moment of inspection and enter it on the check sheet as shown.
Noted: 7:59
